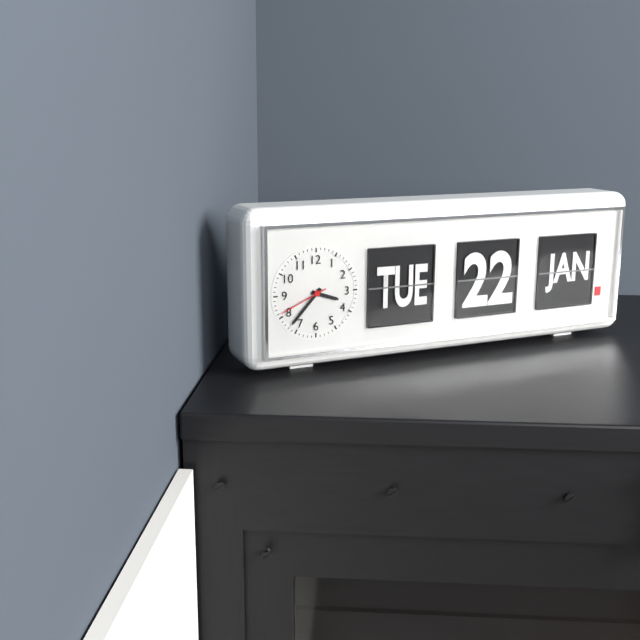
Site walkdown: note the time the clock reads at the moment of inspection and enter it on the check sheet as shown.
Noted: 3:37
